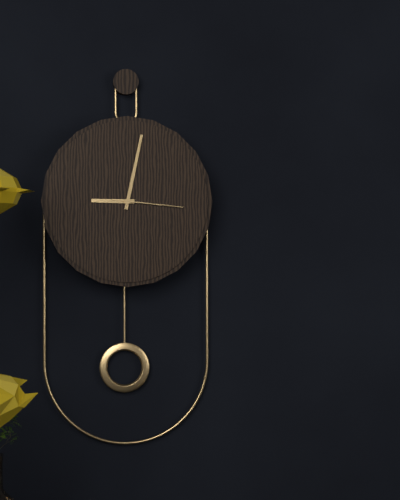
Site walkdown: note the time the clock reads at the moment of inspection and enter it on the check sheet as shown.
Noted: 9:02:16
